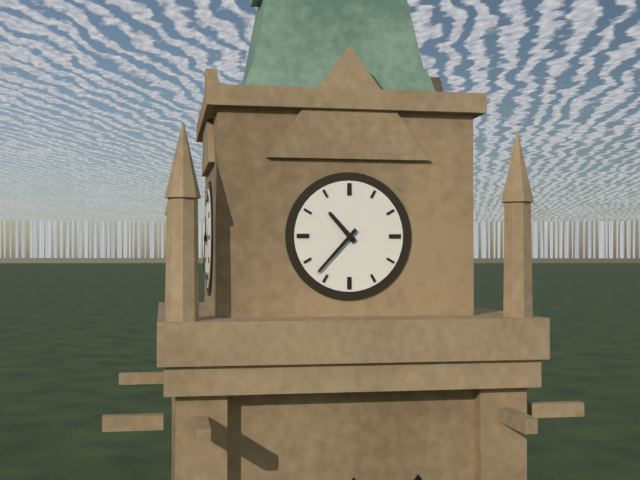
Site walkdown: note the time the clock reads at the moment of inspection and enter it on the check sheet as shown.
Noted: 10:37
